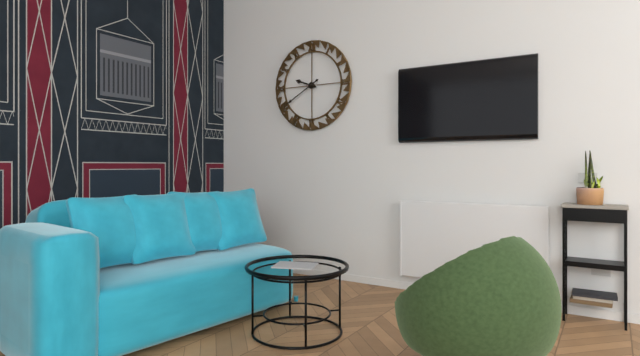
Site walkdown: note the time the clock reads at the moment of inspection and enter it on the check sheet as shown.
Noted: 9:40
